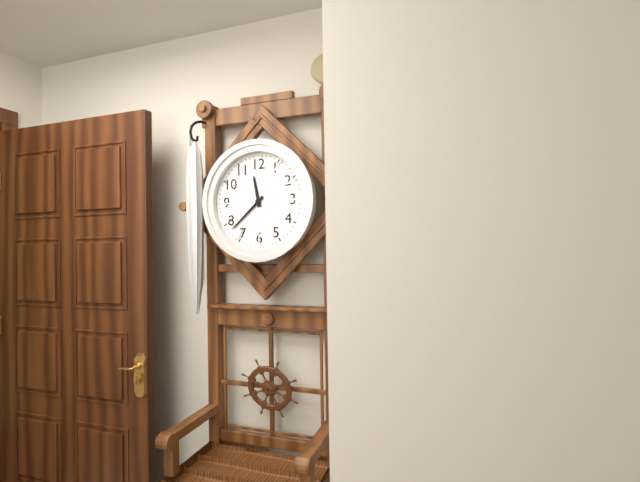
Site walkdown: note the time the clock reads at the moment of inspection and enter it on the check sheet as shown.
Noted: 11:38
